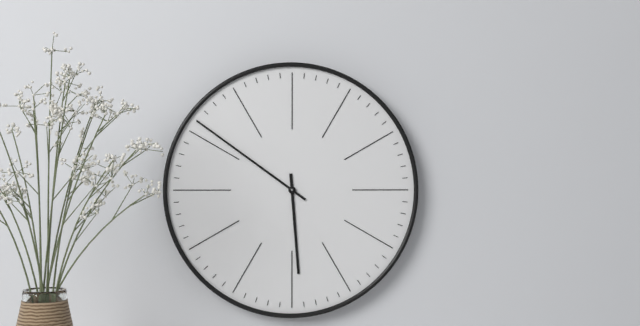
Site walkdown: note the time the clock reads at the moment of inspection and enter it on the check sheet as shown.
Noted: 5:51
